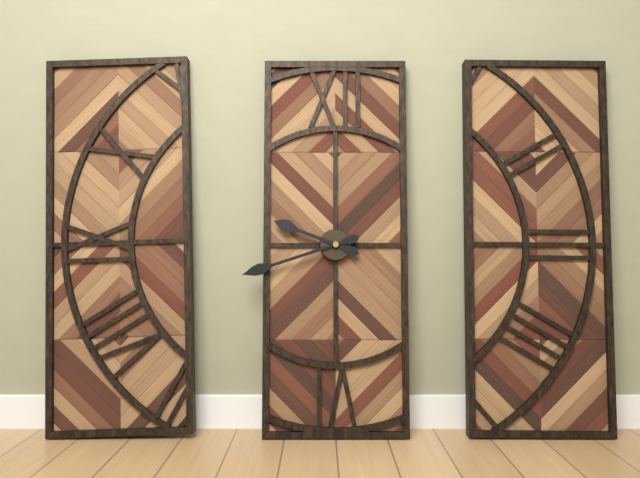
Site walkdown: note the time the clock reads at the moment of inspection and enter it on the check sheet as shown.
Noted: 9:42
